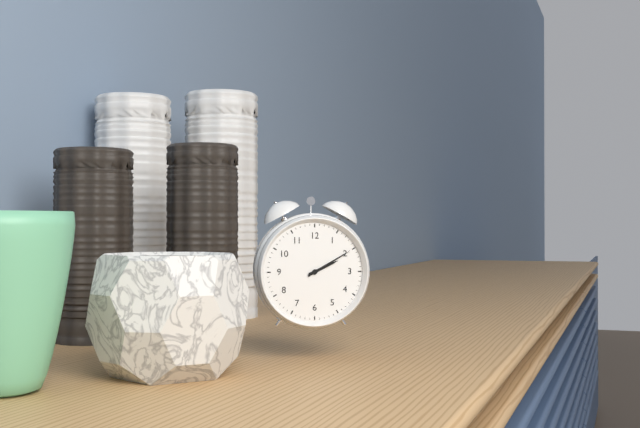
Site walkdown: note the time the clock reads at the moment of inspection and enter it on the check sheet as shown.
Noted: 2:10
